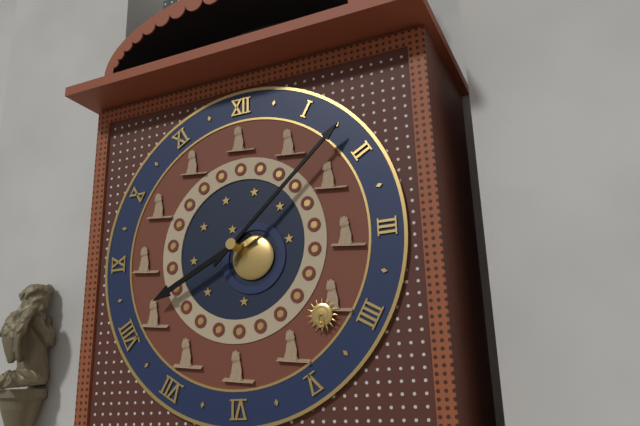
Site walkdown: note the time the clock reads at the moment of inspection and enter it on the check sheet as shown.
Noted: 8:08
